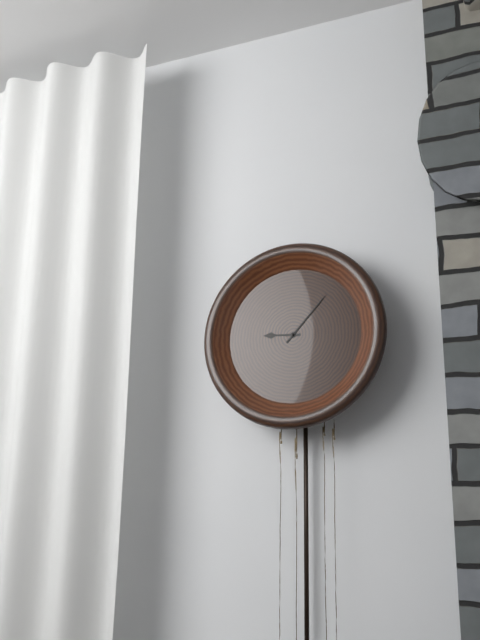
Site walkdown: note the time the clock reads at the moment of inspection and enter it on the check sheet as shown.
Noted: 9:07
